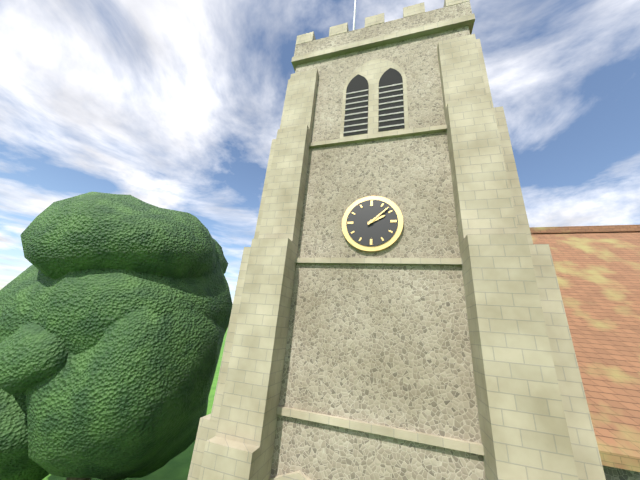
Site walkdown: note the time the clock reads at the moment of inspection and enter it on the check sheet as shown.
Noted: 2:08
